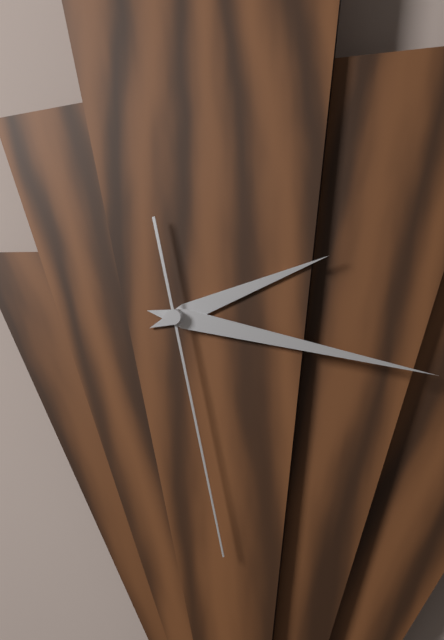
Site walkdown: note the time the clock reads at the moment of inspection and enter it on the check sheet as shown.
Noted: 2:17:28
